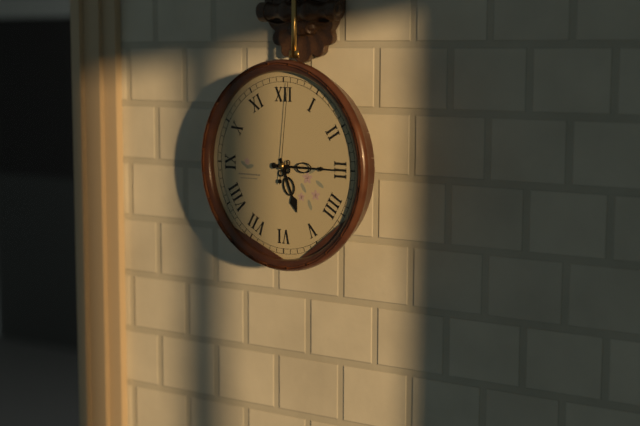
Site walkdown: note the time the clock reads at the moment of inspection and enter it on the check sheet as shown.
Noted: 5:15:01
